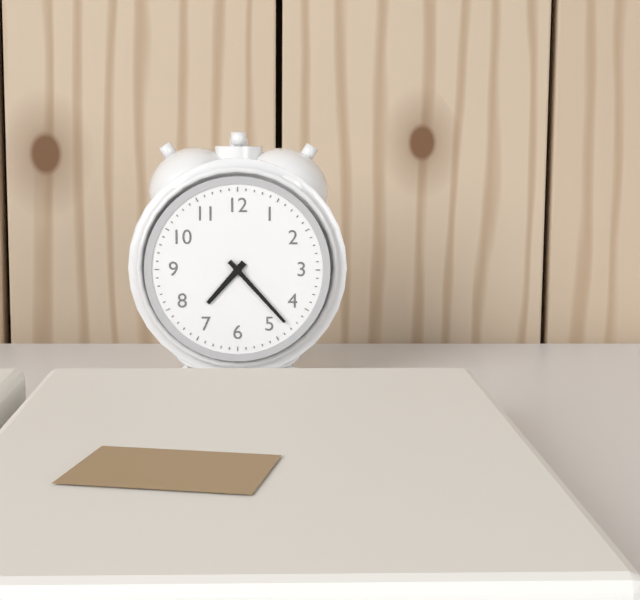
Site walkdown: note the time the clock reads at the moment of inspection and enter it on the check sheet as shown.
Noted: 7:23
